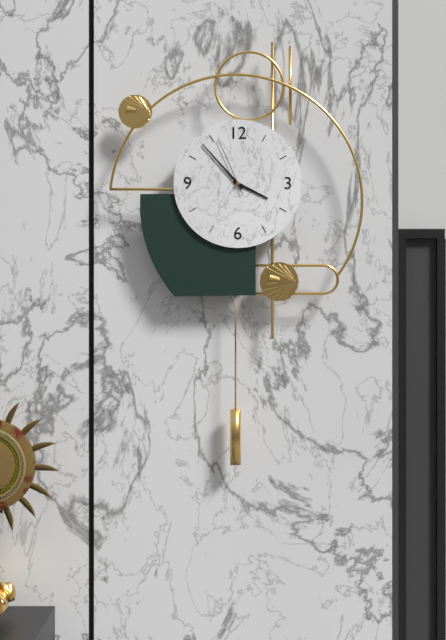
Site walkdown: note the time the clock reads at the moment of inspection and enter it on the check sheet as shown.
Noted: 3:53:56
